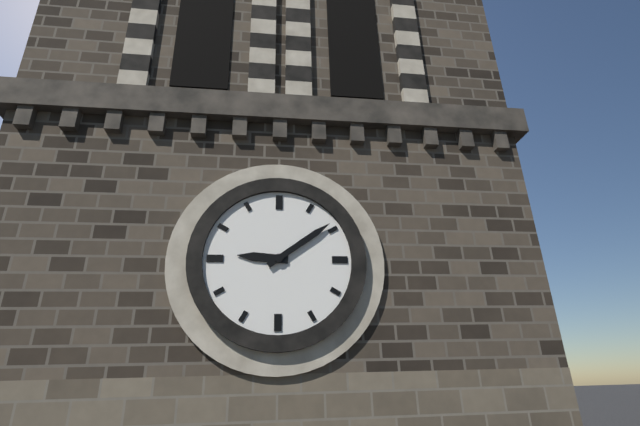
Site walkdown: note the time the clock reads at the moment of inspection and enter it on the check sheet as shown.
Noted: 9:09
